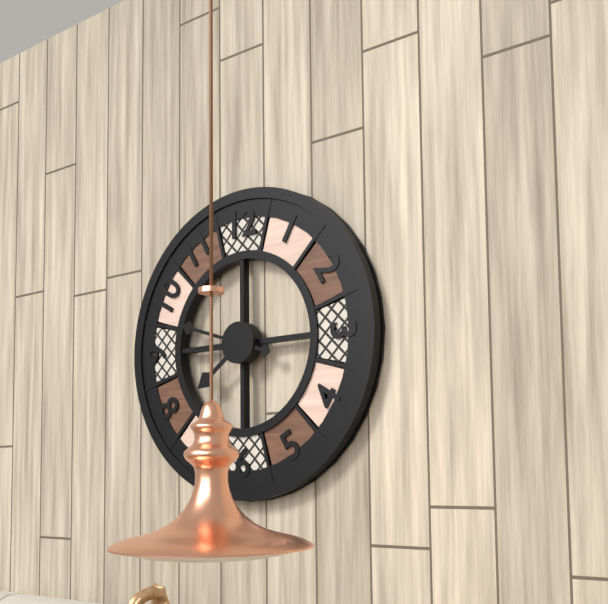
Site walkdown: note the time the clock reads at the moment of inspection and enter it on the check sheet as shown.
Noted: 7:48
